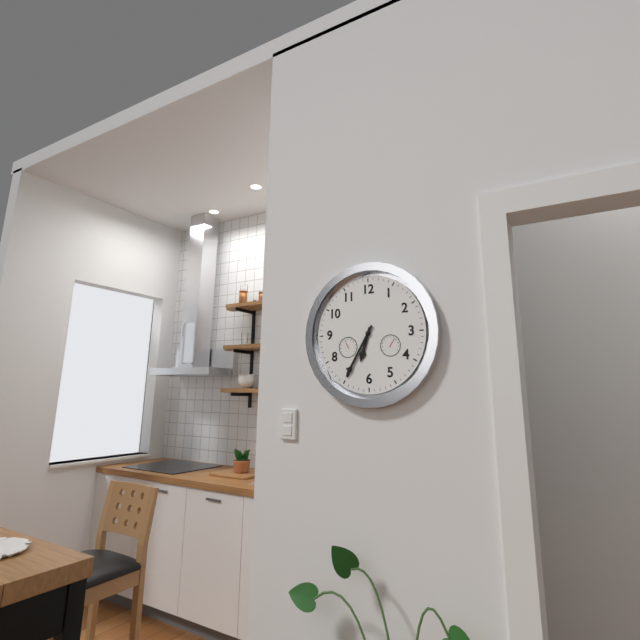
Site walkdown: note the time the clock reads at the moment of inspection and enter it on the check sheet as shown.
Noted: 6:35
